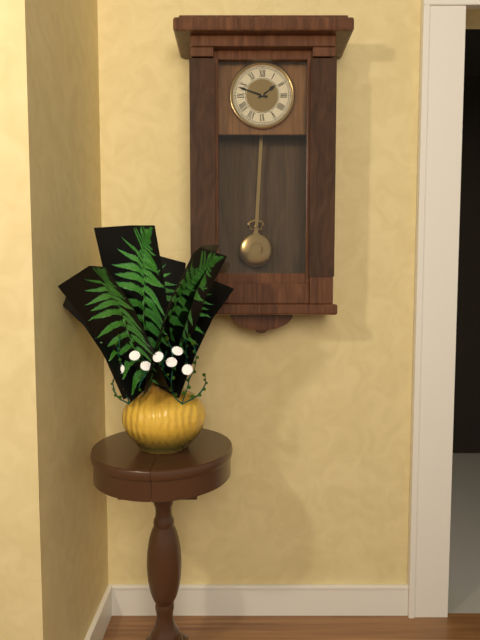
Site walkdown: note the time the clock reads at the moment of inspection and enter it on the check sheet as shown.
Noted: 1:48
